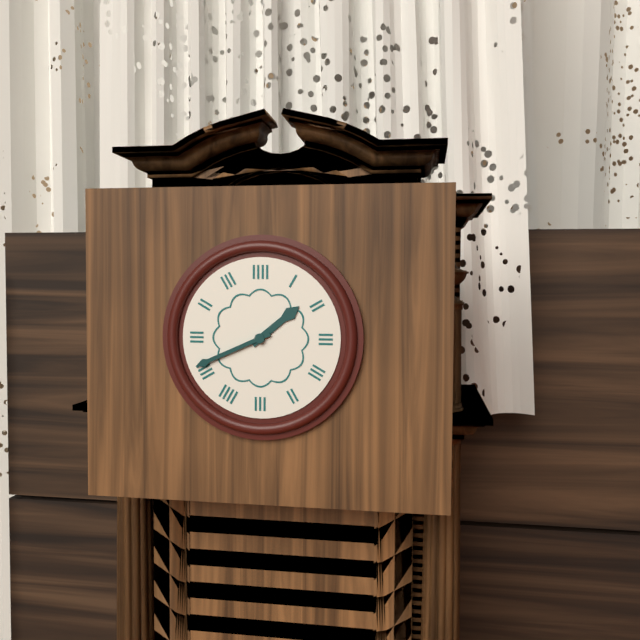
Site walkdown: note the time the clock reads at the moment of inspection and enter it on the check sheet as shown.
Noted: 1:41
